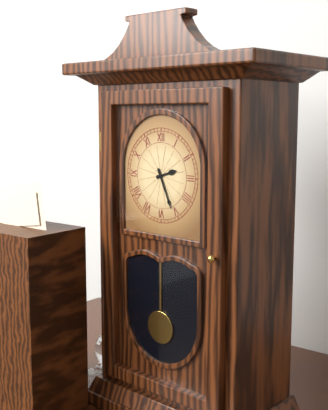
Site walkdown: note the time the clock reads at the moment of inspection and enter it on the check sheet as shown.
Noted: 2:26
